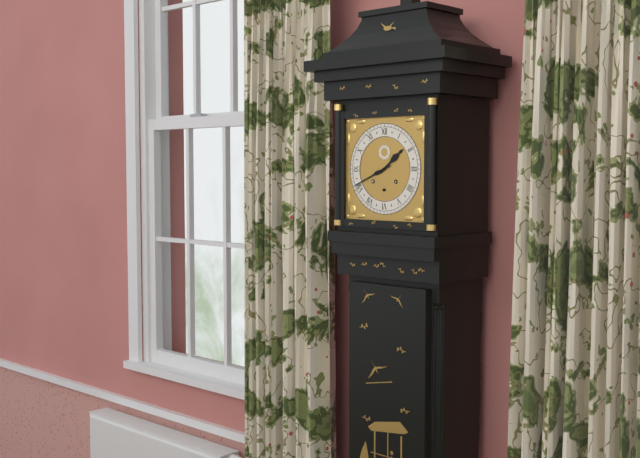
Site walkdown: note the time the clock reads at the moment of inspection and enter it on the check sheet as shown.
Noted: 1:41
